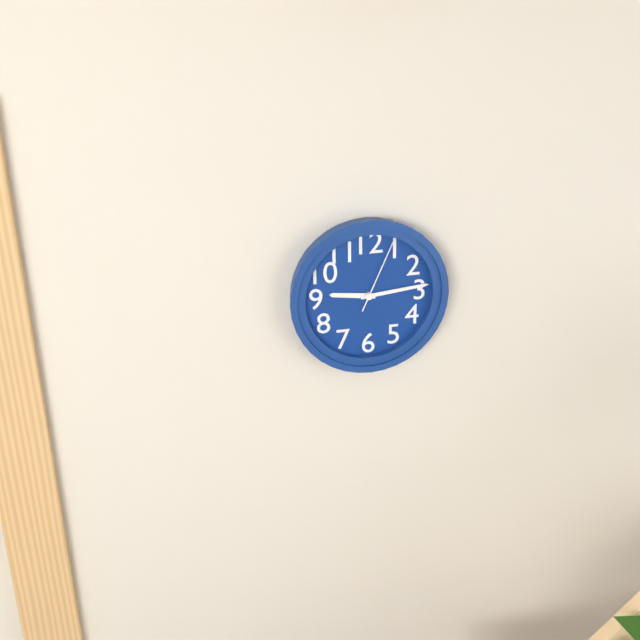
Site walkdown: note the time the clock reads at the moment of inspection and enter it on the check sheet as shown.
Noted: 9:14:04
